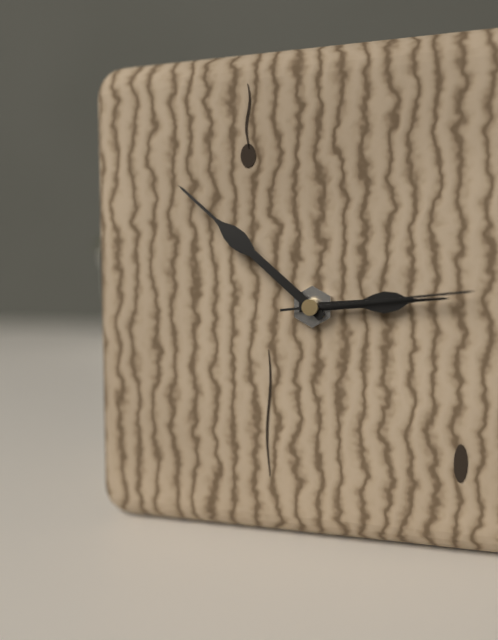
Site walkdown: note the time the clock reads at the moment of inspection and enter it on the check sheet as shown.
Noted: 2:52:14
